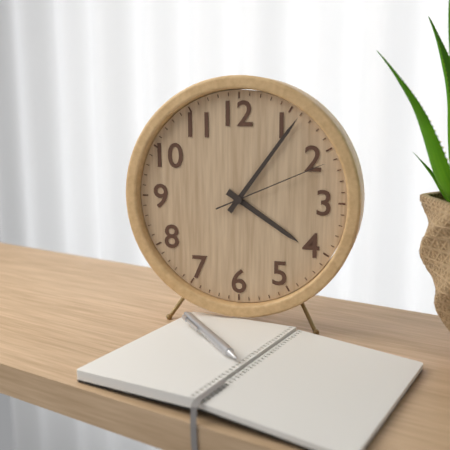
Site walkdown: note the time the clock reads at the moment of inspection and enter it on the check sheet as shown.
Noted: 4:06:11
